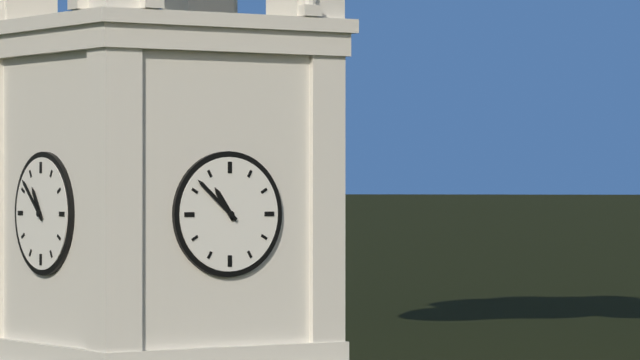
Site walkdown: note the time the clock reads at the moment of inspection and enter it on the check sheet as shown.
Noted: 10:52
